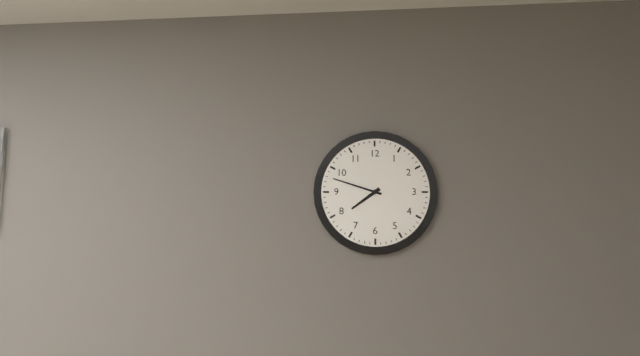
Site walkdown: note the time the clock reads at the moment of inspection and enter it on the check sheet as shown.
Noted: 7:48
